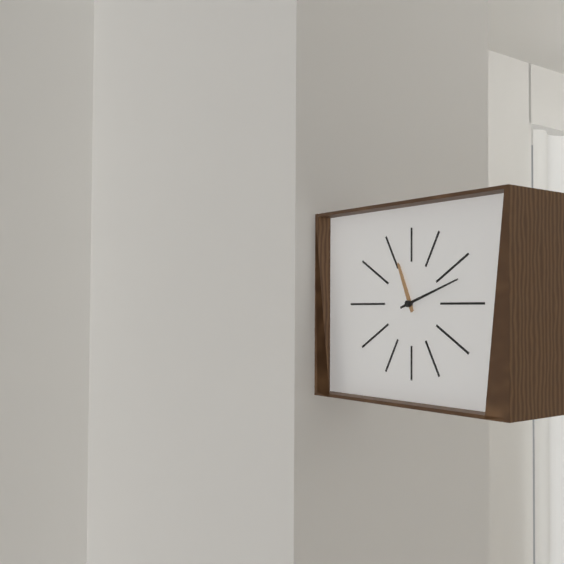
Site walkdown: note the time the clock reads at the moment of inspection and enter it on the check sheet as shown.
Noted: 11:12
